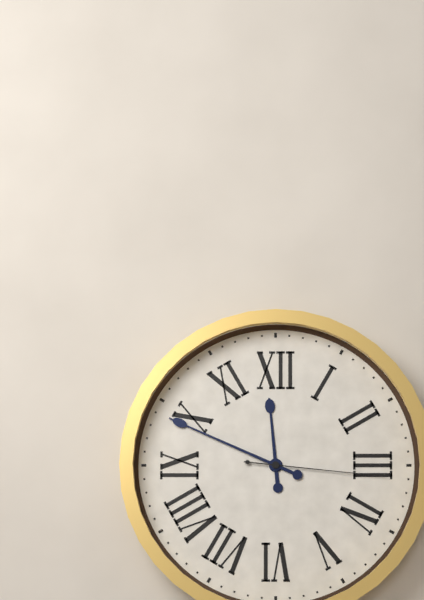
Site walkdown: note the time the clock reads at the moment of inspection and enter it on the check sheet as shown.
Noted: 11:49:16
